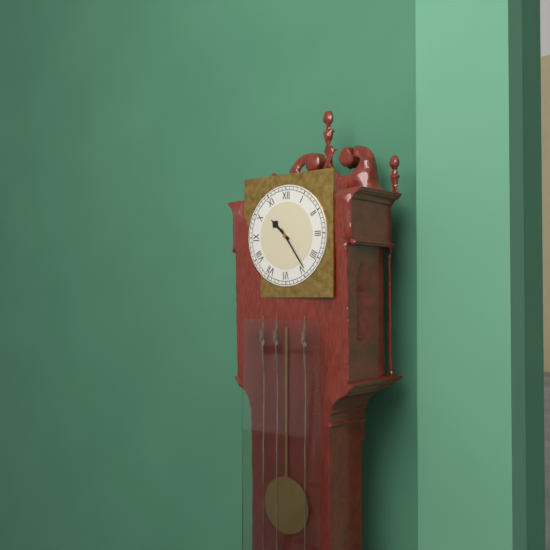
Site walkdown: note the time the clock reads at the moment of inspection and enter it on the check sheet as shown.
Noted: 10:24
